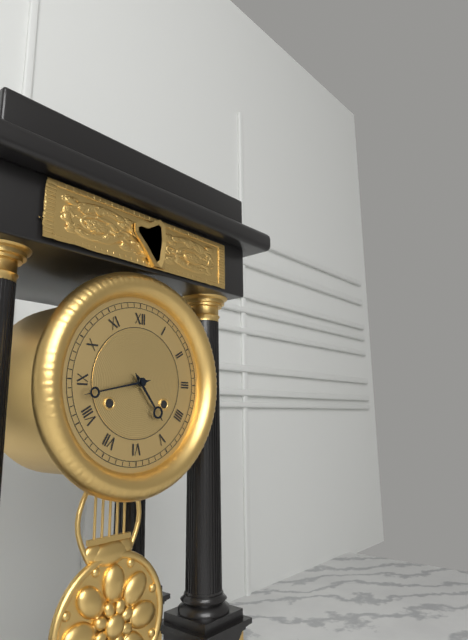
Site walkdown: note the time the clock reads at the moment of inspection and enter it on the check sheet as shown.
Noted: 4:43
